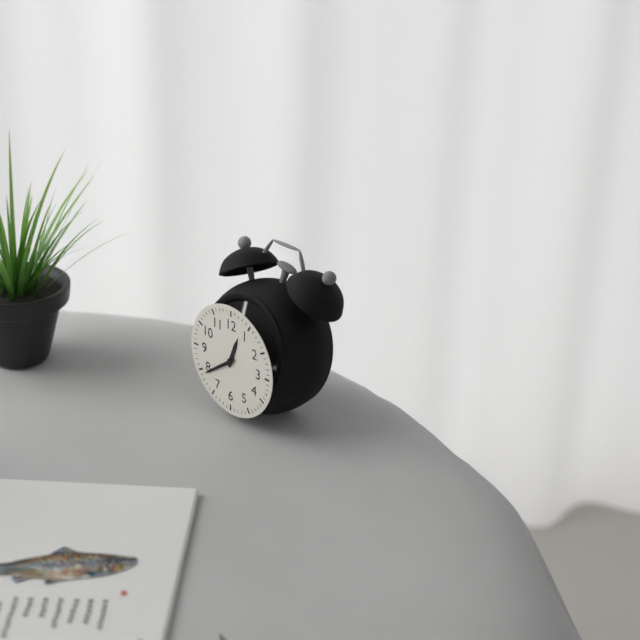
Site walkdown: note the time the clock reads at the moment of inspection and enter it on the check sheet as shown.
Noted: 12:39
